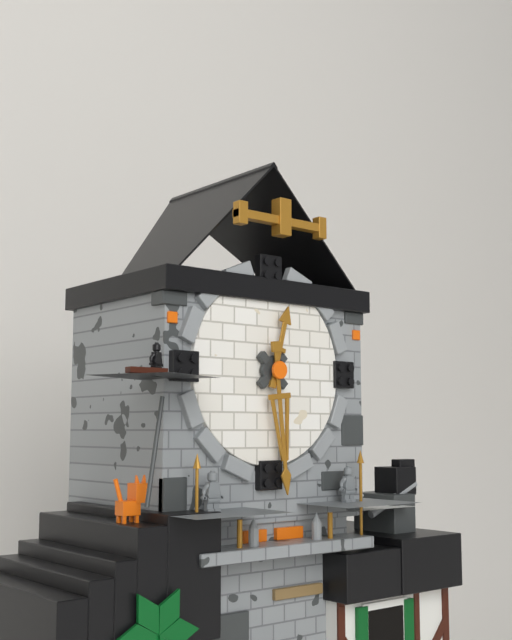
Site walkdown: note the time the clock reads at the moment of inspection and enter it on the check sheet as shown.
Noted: 12:29
